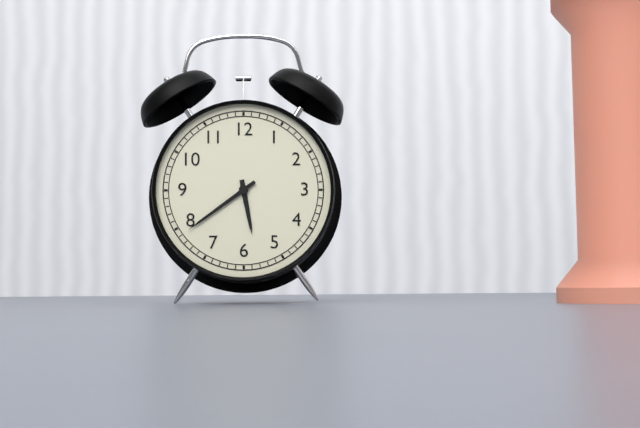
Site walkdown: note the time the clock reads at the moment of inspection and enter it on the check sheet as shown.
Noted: 5:39
